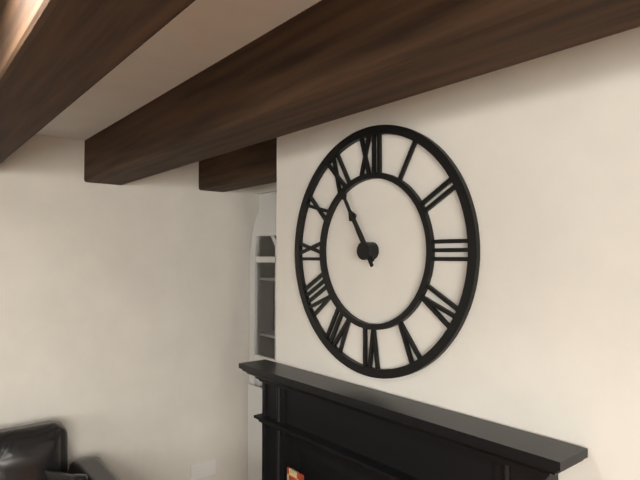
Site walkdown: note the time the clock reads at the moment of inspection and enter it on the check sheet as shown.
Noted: 10:55
